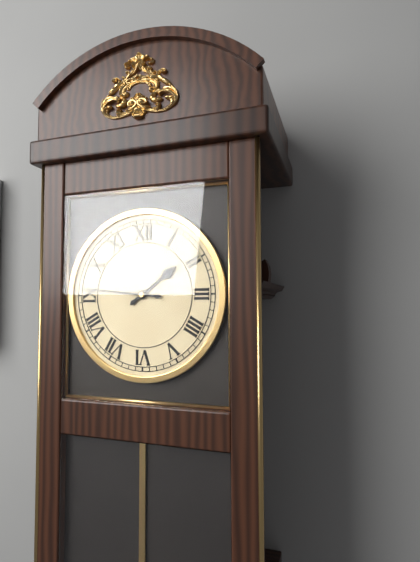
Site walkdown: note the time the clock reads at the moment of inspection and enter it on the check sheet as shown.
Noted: 1:46
